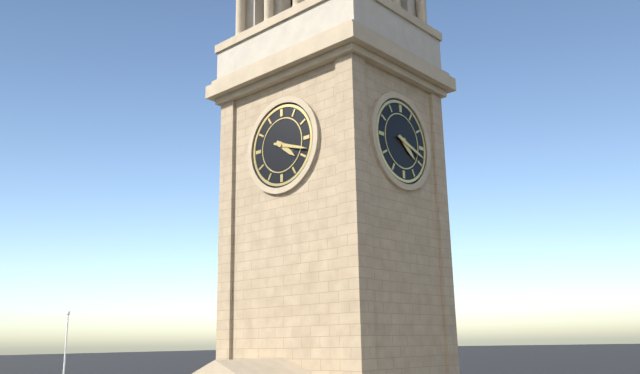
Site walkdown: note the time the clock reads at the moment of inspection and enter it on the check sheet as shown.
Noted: 4:18
